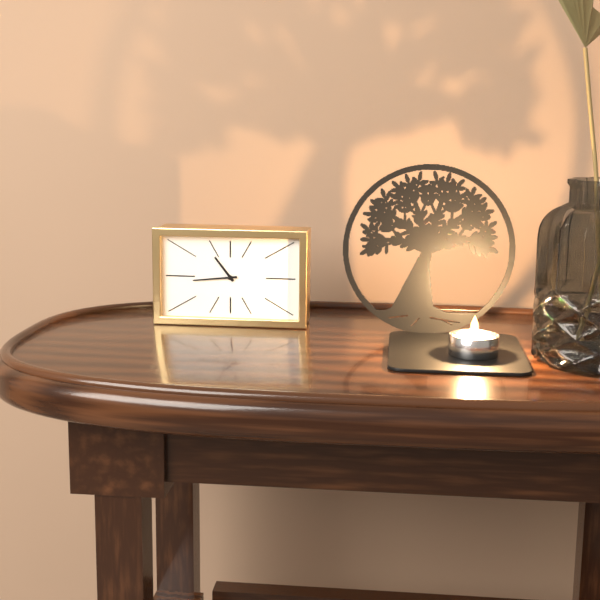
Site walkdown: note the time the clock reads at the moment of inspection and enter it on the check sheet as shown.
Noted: 10:44
